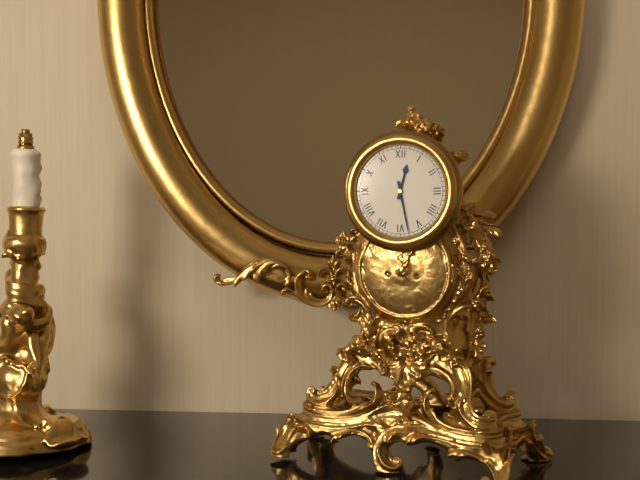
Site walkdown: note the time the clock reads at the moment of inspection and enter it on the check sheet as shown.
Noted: 12:28
